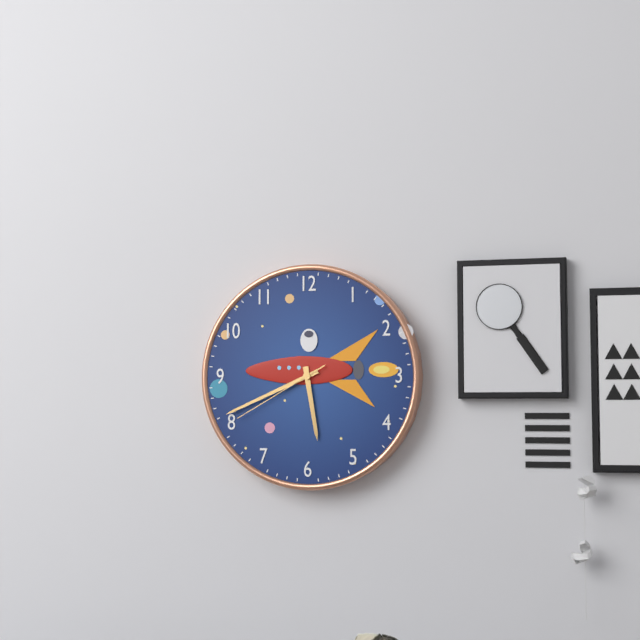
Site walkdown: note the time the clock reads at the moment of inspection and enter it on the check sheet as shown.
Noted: 5:41:40
